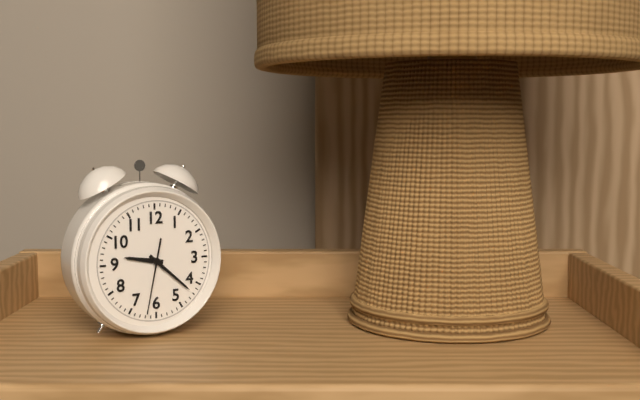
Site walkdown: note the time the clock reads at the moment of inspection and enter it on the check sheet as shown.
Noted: 9:22:32
